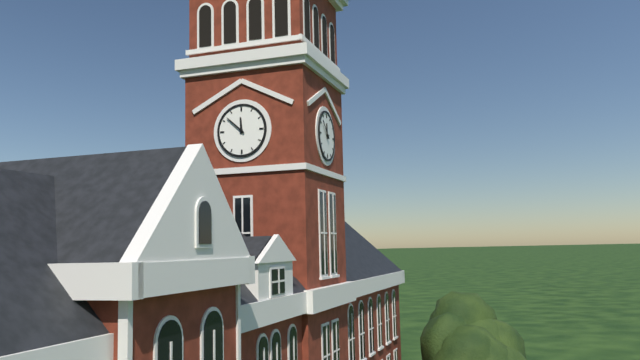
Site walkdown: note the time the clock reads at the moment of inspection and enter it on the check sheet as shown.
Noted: 11:52
